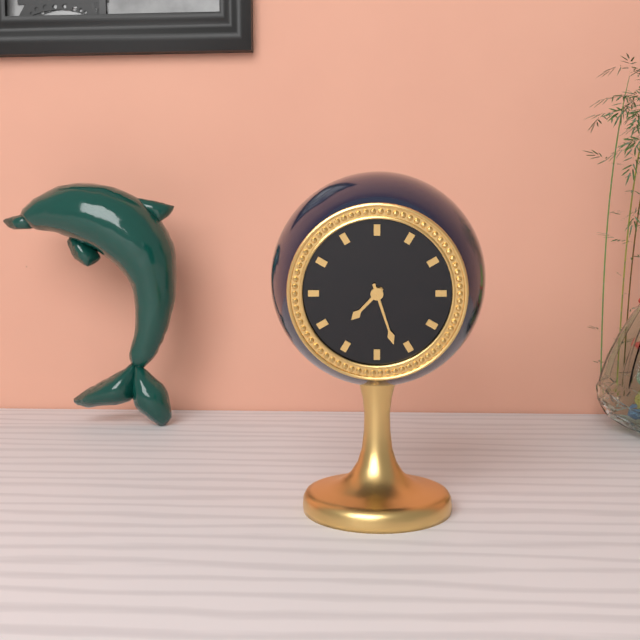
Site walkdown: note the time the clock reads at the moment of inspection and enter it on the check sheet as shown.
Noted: 7:27
